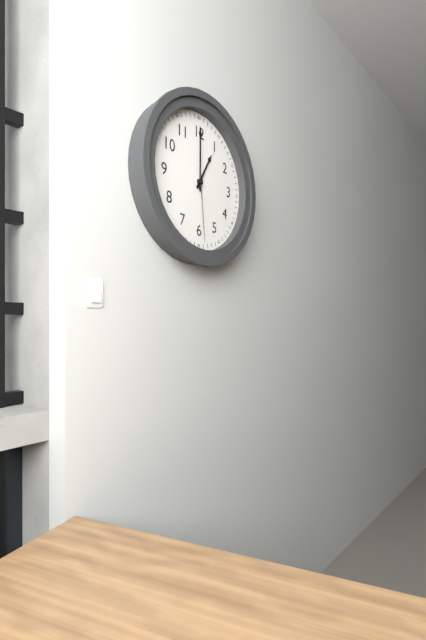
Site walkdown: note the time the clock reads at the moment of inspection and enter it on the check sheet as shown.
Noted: 1:00:29
